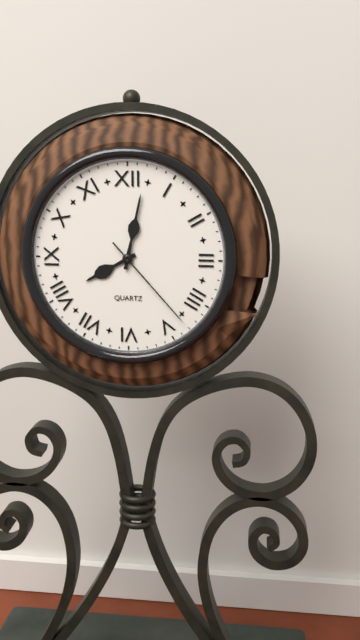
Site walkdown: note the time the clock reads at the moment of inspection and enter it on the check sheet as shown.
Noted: 8:02:23
